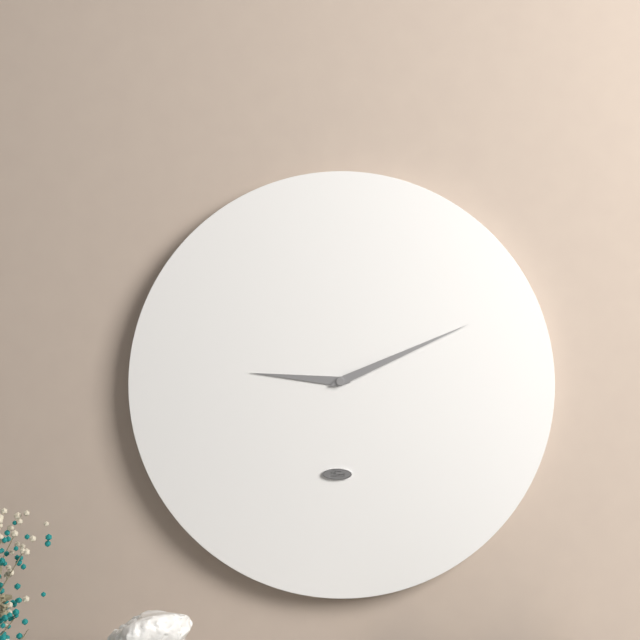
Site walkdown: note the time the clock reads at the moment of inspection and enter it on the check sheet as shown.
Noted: 9:11
